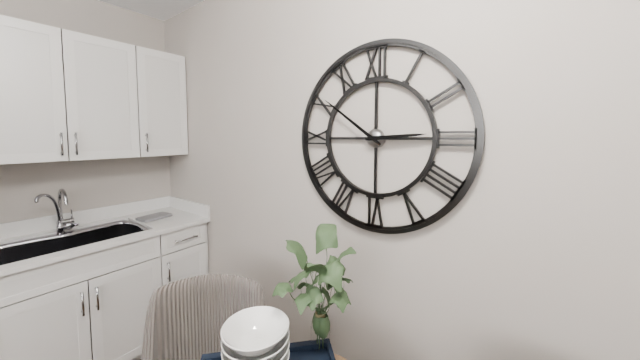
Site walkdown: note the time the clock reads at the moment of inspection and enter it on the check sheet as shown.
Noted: 2:51
